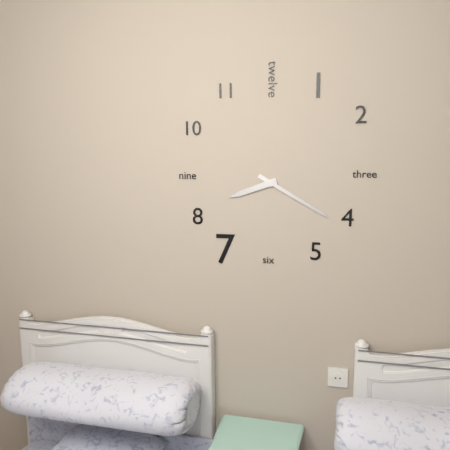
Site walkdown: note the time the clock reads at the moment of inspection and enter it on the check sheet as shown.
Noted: 8:20
